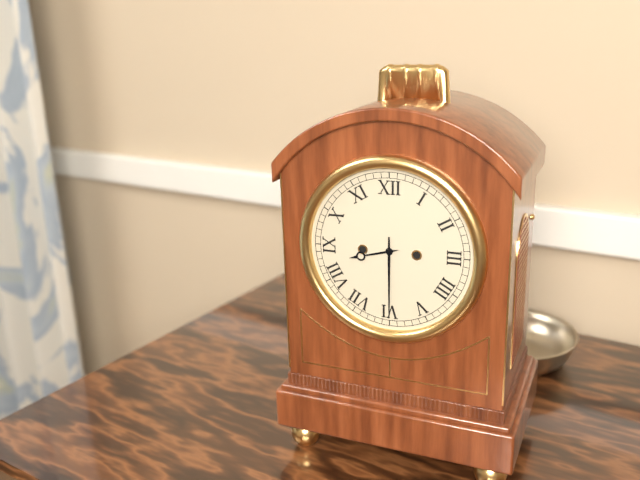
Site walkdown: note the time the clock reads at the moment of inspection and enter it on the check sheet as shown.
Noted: 8:30
